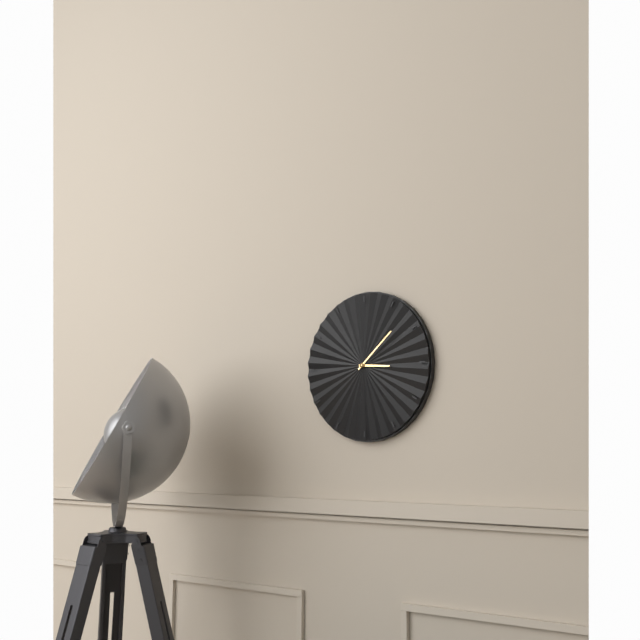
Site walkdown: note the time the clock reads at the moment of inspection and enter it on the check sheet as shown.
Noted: 3:08
